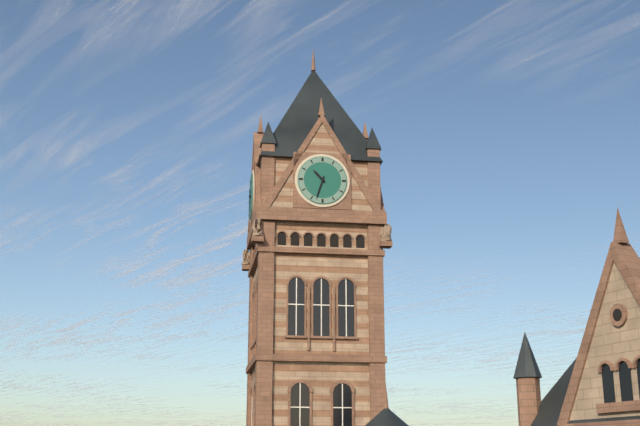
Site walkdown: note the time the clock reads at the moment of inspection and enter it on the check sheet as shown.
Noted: 10:33
